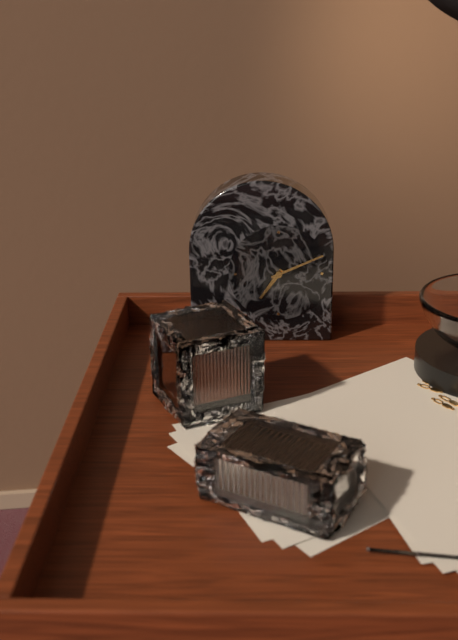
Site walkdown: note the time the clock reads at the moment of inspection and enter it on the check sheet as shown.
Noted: 7:11
